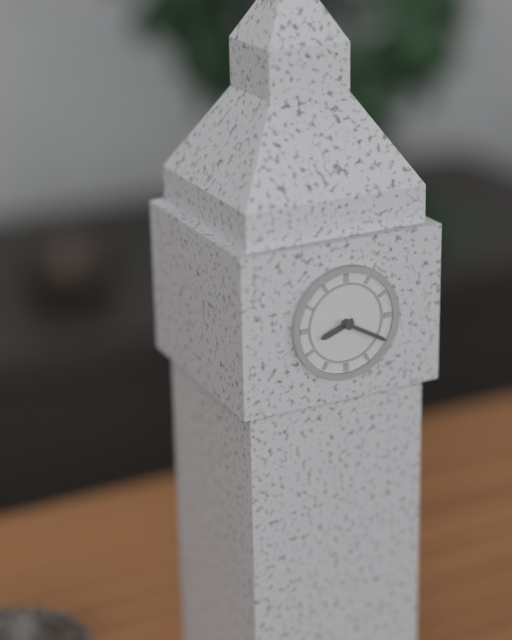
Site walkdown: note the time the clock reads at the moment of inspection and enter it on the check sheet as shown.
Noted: 8:20
